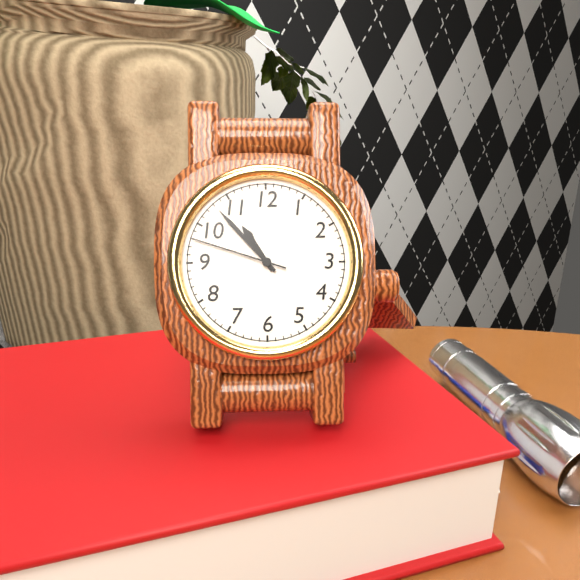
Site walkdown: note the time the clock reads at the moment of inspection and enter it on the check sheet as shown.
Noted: 10:53:48
